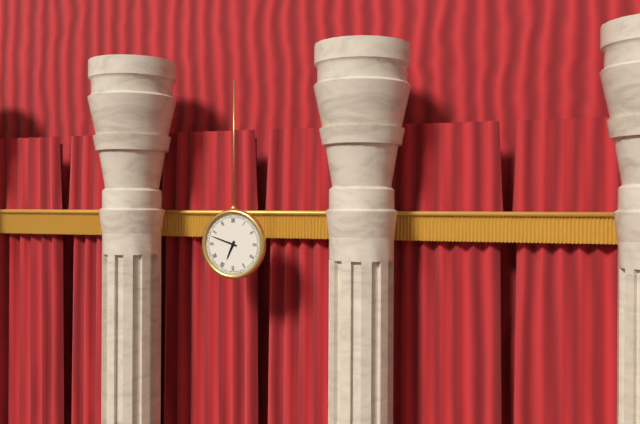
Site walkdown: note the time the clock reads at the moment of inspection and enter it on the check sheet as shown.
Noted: 6:48
